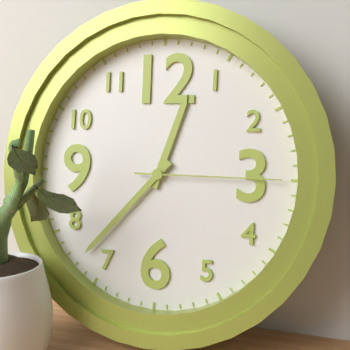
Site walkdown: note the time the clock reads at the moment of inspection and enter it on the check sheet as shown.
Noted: 12:37:15
